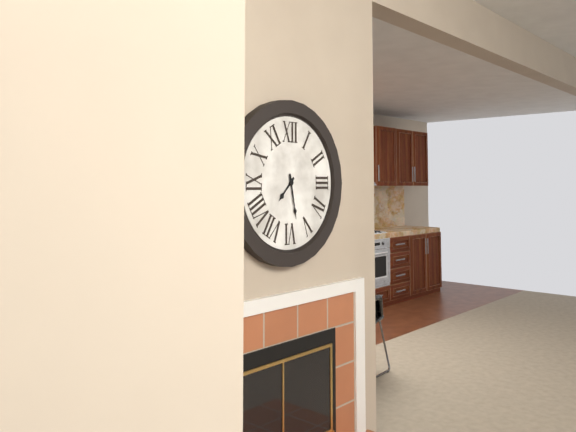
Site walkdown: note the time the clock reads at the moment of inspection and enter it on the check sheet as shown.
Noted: 7:28
